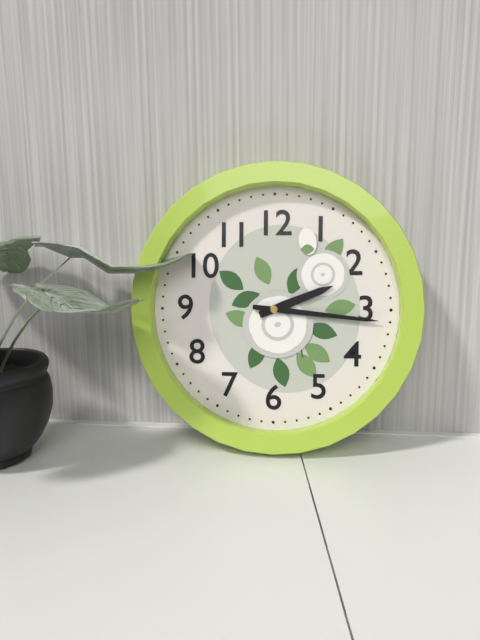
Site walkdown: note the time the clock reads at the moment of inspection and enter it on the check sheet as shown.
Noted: 2:16
